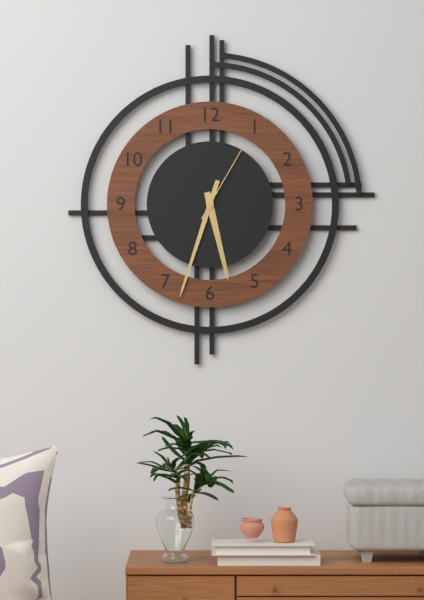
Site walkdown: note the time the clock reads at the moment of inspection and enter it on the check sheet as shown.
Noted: 5:33:05
